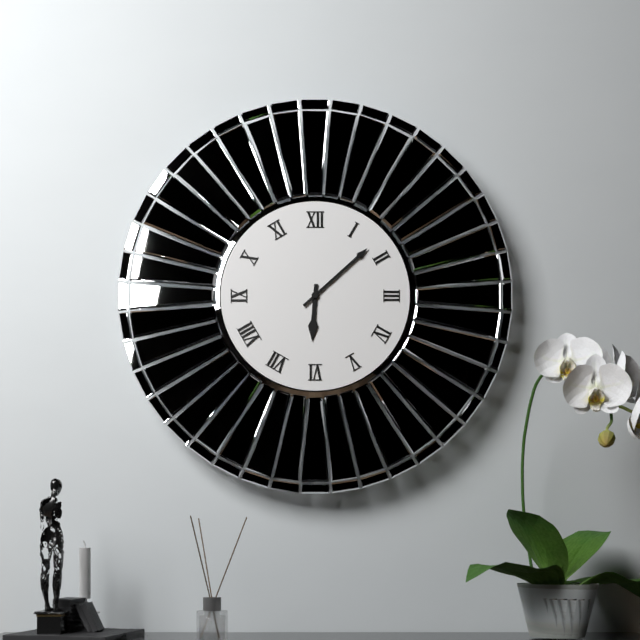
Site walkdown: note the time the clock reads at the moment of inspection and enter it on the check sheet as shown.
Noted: 6:08
